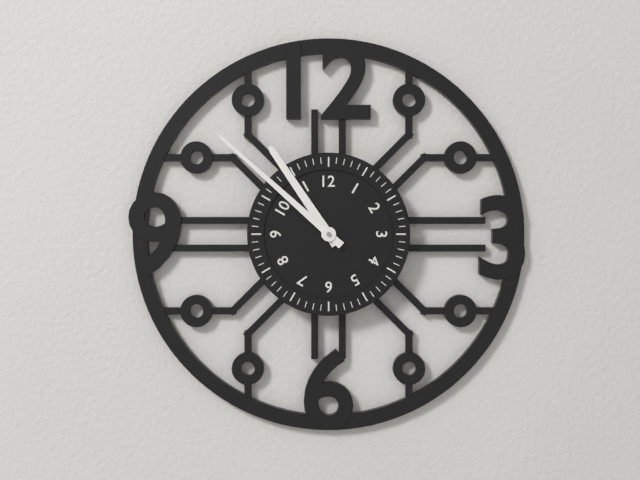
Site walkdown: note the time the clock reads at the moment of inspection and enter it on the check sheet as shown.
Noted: 10:52
